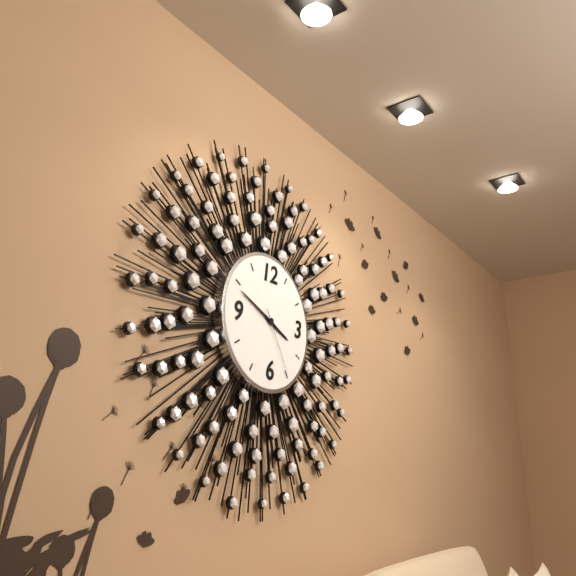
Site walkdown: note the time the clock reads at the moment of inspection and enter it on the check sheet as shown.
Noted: 3:49:25
